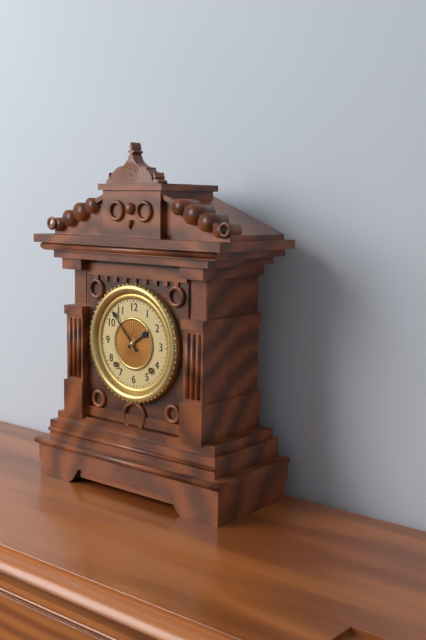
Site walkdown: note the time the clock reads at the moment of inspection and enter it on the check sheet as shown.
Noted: 1:53
